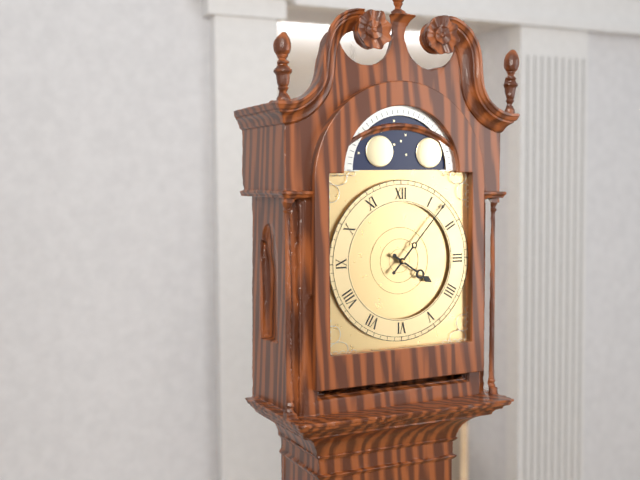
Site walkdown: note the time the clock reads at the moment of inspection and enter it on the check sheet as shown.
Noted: 4:07
